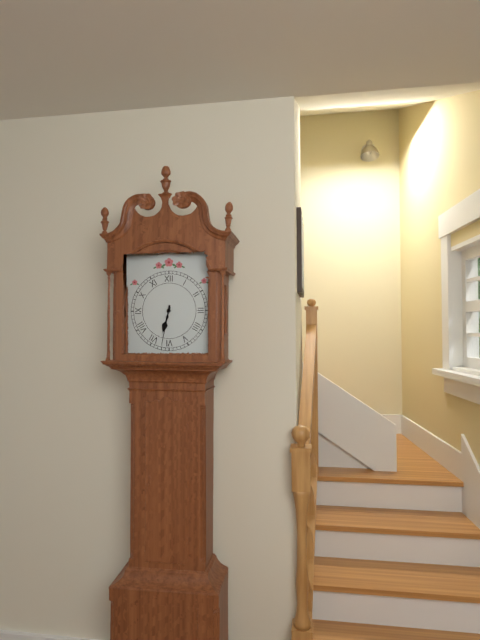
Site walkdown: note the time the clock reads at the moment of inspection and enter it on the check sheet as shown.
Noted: 6:32
